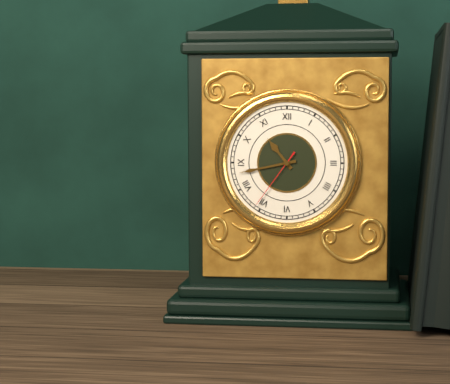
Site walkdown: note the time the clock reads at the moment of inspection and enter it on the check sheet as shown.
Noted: 10:43:36
